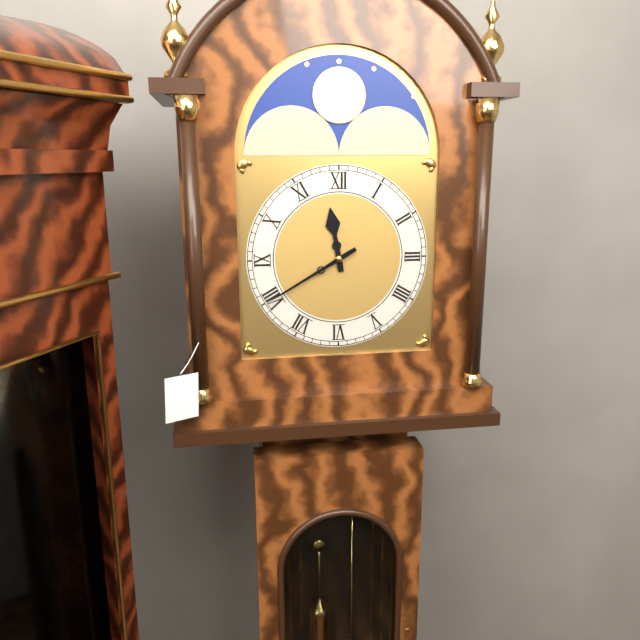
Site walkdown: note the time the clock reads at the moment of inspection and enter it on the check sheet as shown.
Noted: 11:40
